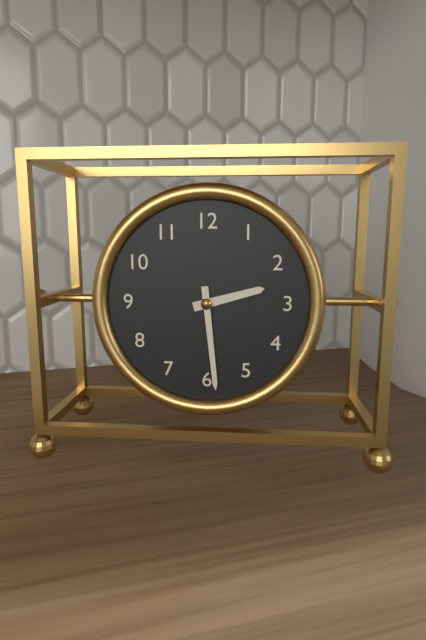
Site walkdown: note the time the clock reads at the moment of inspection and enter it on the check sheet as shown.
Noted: 2:29
